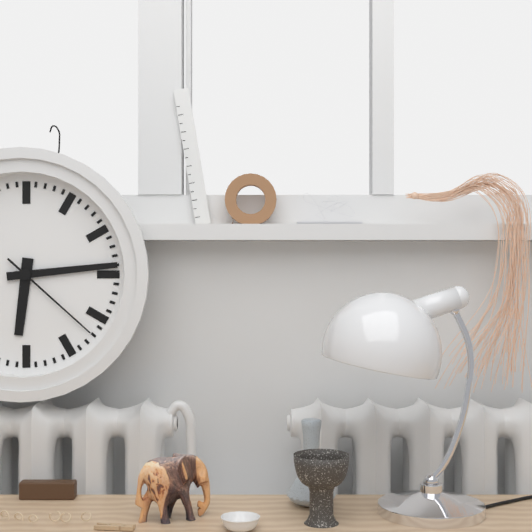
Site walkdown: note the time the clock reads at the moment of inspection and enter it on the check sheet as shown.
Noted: 6:14:22
